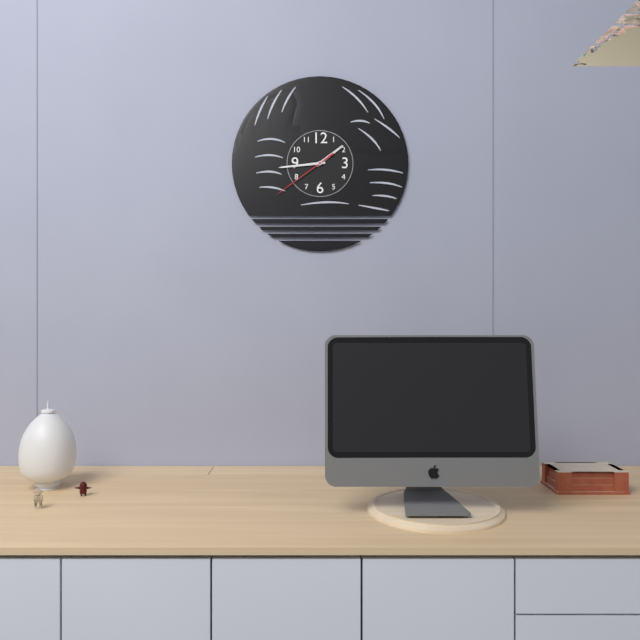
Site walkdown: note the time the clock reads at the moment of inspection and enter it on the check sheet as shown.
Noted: 1:44:39
